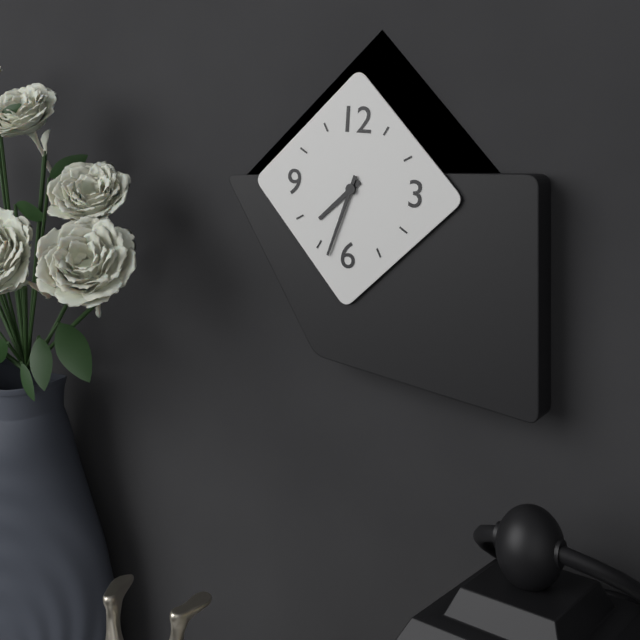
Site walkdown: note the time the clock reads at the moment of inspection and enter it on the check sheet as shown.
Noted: 7:33
